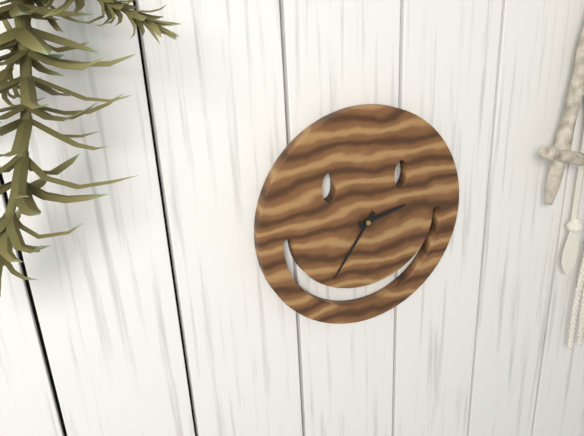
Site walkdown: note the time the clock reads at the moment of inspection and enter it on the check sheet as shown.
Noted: 2:36
